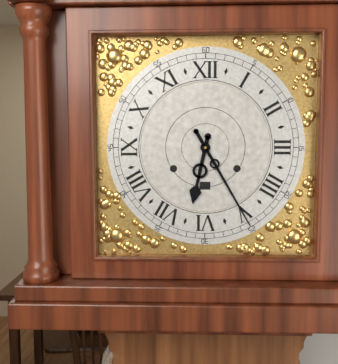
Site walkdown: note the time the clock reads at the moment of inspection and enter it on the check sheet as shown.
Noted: 6:25
